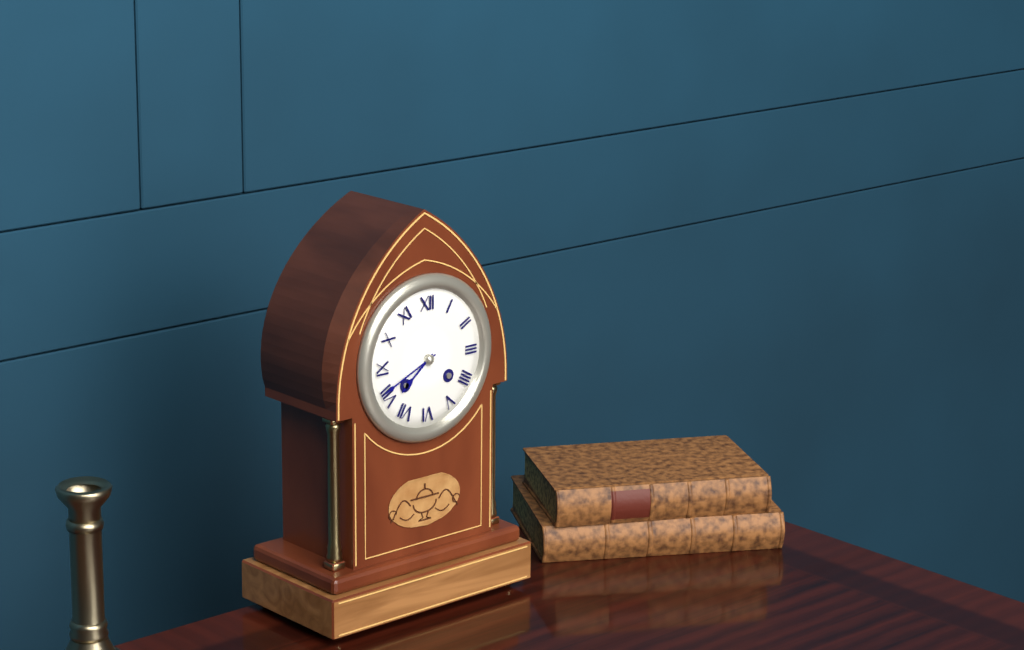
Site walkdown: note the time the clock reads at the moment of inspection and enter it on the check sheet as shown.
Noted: 7:41
